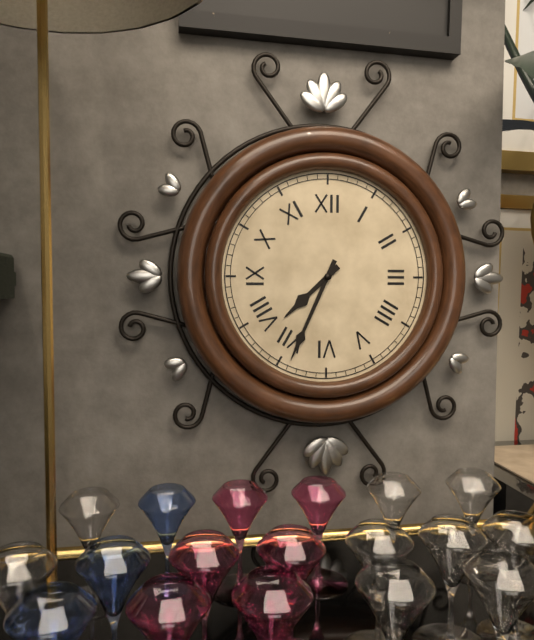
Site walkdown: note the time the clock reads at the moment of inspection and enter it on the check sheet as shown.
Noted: 7:34
